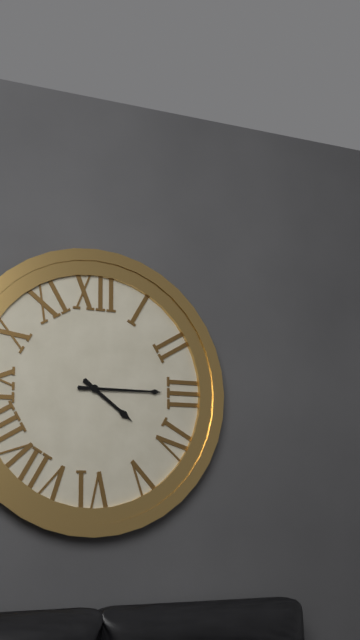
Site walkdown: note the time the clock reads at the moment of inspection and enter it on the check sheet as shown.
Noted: 4:15
